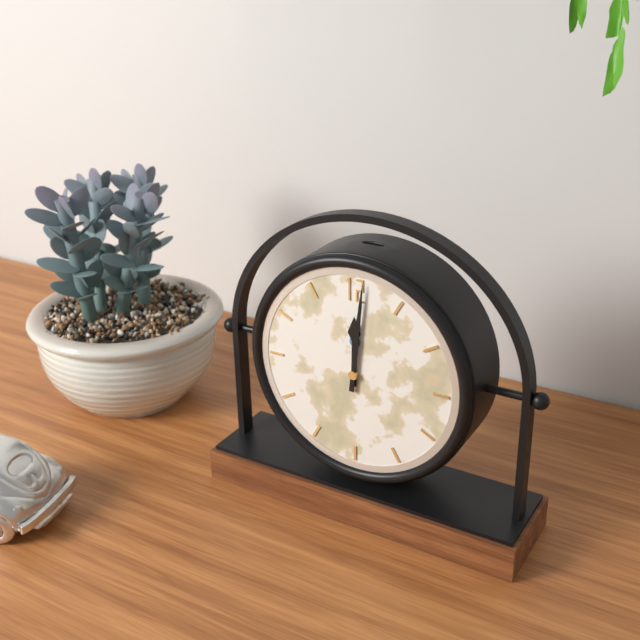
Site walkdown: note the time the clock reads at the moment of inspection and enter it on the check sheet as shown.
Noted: 12:01
